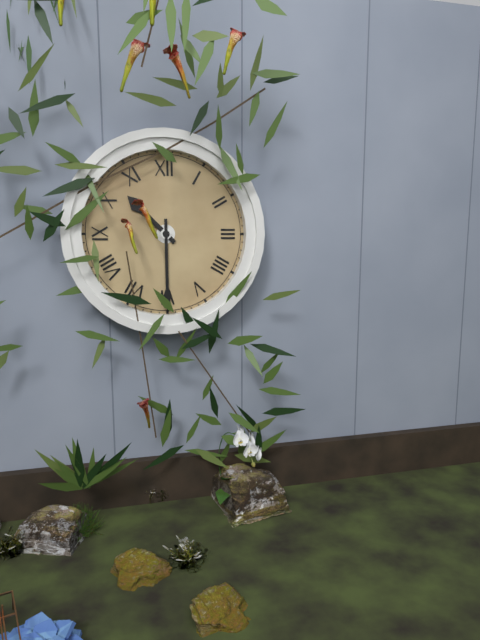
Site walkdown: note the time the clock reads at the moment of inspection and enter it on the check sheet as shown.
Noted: 10:30
